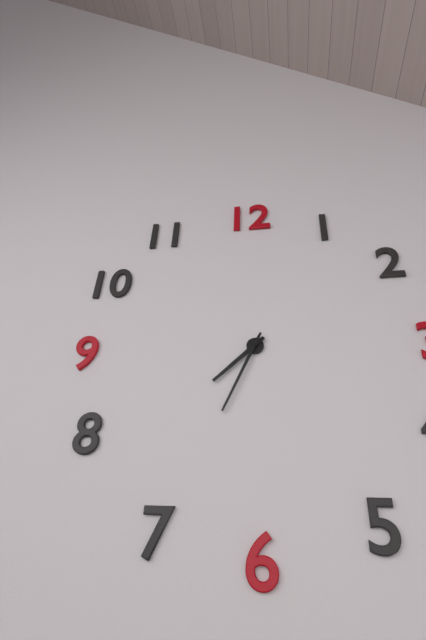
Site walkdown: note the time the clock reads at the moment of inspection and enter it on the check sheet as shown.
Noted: 7:34
